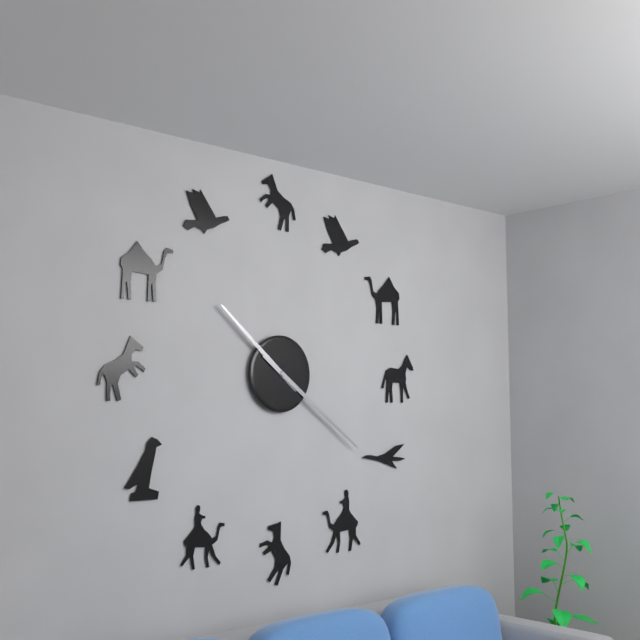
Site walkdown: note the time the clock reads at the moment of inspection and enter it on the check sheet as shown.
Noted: 10:21
